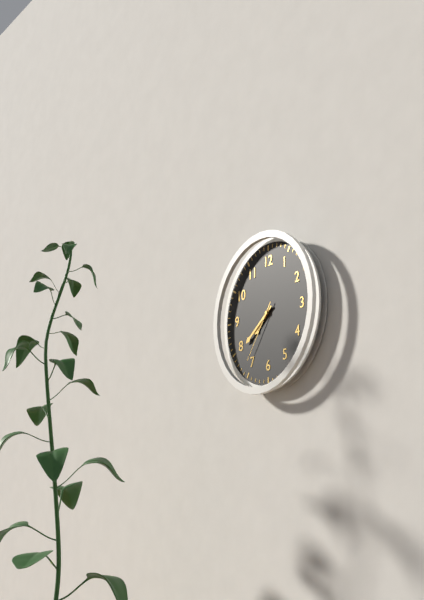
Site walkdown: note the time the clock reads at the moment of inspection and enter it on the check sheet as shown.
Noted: 7:39:36
